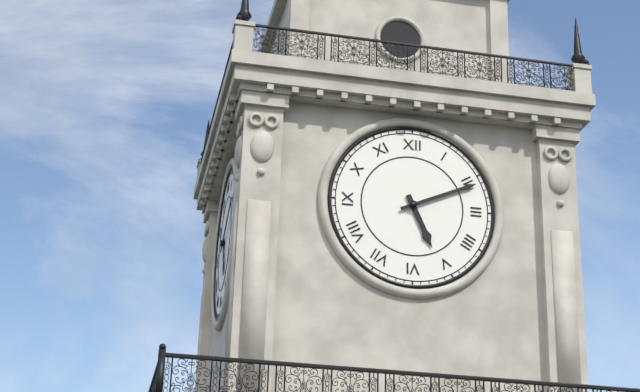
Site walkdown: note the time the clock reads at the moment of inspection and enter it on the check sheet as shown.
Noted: 5:11
